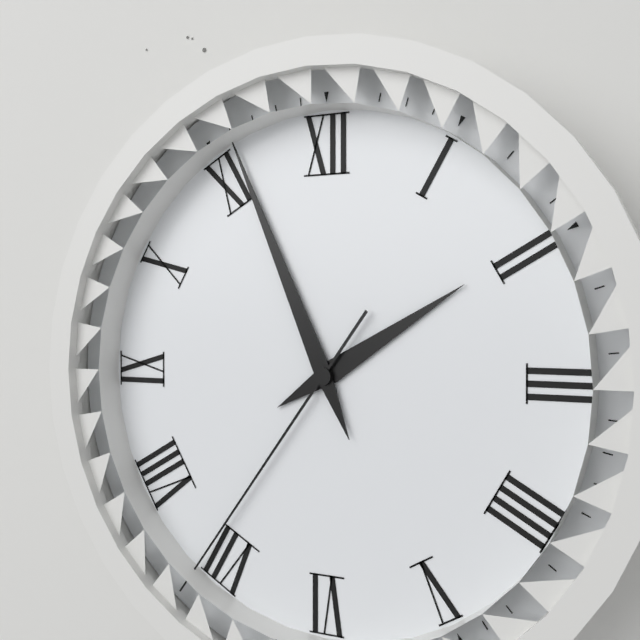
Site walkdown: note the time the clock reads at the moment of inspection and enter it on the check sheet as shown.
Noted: 1:56:36
